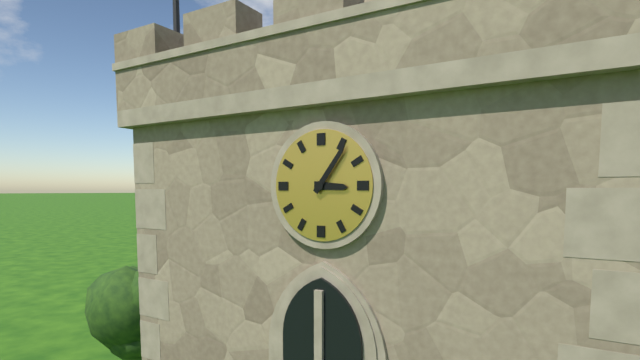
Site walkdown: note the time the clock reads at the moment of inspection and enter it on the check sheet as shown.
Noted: 3:06
